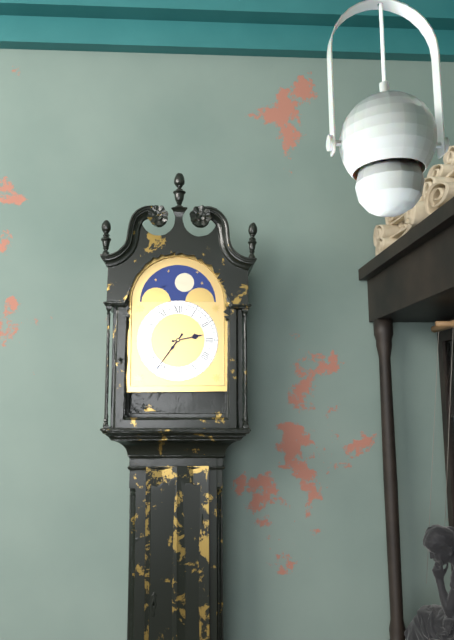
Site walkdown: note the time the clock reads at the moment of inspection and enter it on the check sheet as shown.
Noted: 2:36
